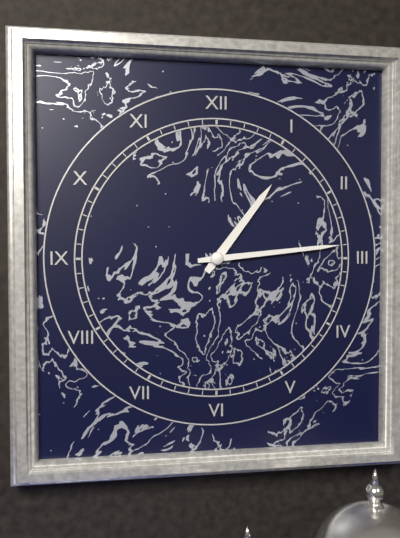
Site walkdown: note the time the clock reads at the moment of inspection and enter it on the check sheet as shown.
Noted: 1:14
